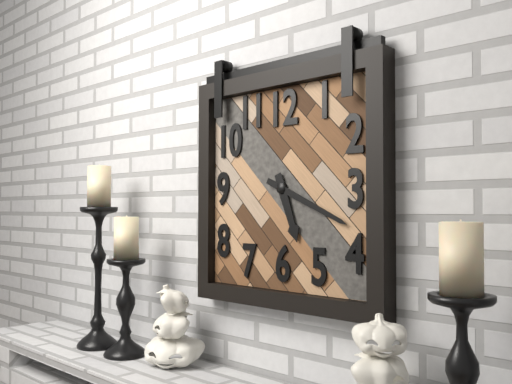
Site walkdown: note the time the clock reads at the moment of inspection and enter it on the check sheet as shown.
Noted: 5:19
